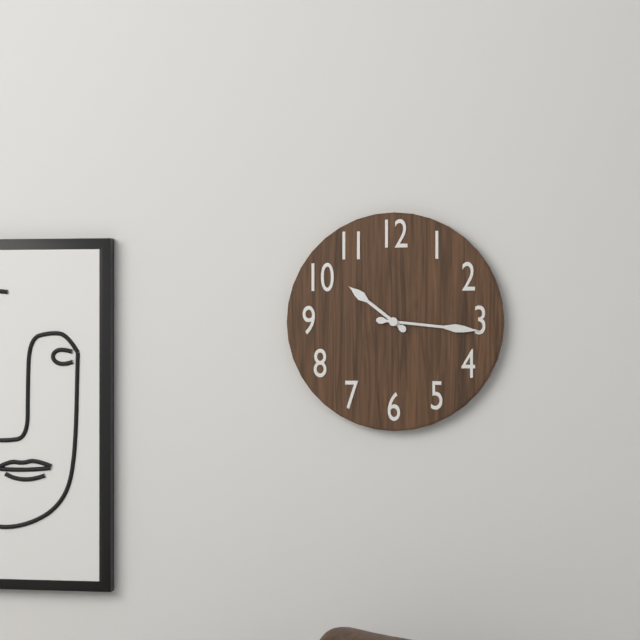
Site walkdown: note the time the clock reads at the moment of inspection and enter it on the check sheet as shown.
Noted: 10:16
